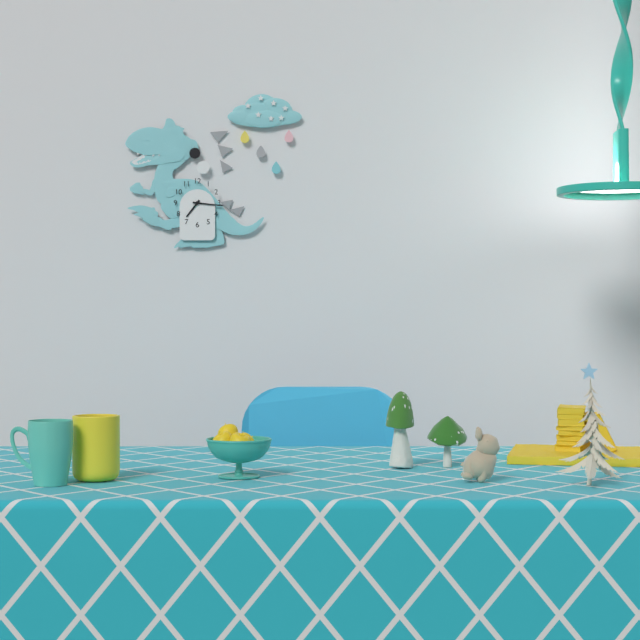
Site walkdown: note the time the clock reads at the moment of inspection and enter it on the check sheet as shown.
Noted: 7:16
